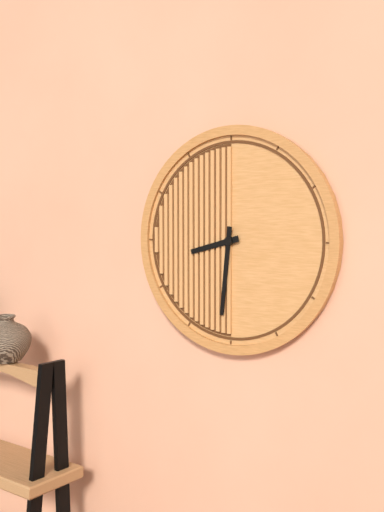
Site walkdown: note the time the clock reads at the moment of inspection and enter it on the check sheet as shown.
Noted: 8:31
